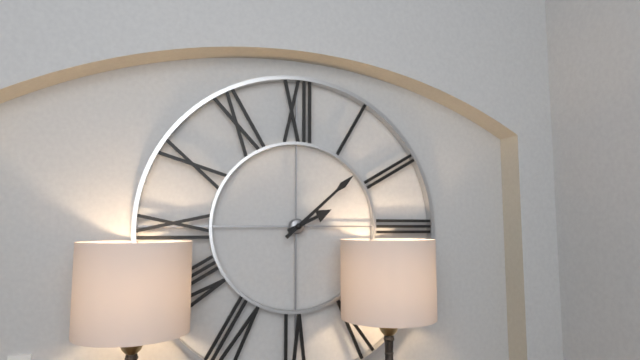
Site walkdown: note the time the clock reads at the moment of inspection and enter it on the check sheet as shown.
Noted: 2:08
